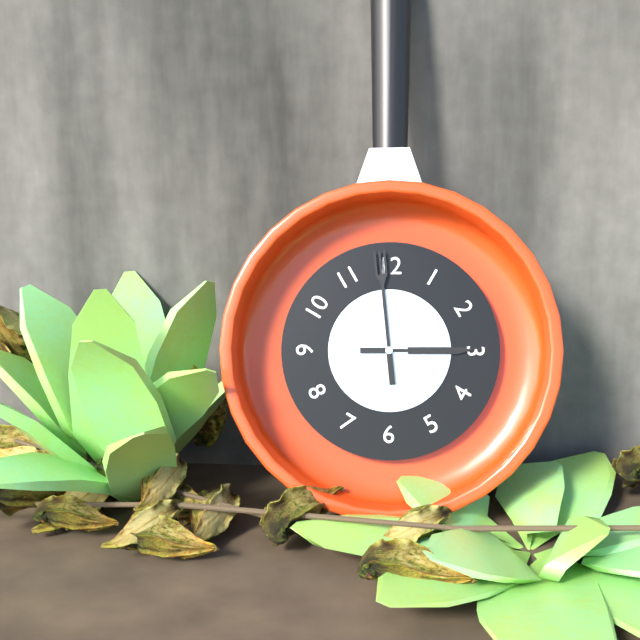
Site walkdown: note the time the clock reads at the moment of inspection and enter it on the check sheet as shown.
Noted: 2:59
